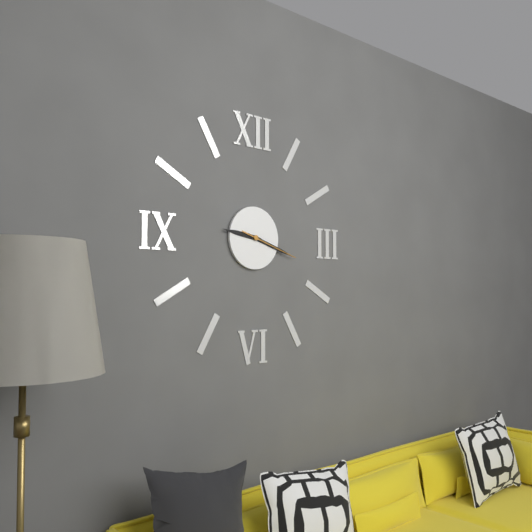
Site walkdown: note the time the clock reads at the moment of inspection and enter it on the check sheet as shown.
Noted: 9:18:18
